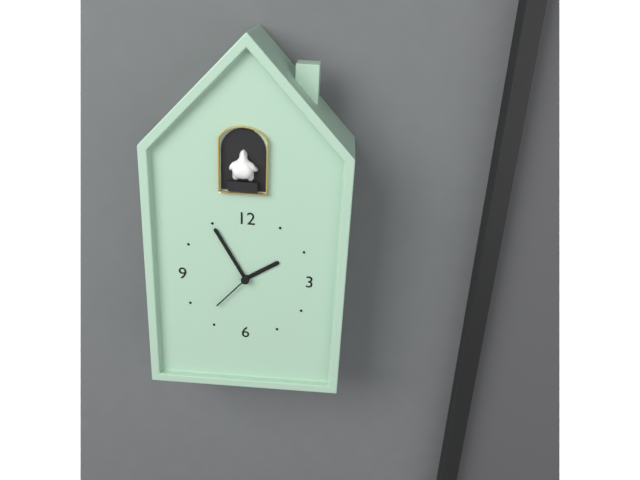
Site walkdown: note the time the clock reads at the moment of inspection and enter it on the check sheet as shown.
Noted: 1:55
